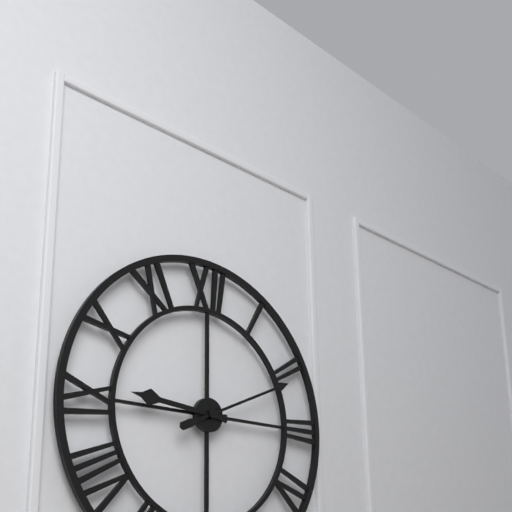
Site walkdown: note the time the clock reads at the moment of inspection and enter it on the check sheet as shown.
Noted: 9:11
